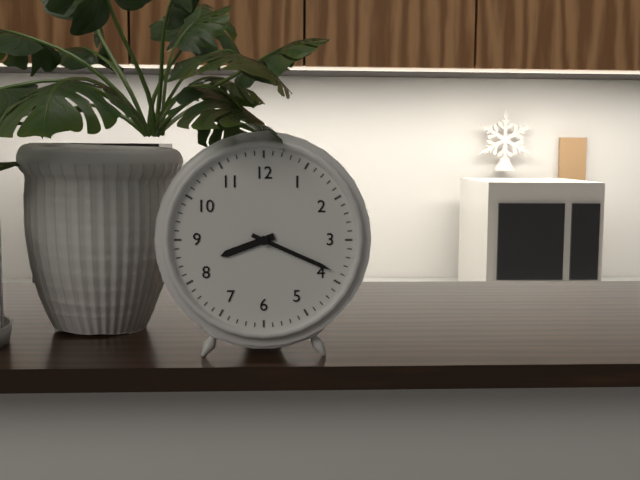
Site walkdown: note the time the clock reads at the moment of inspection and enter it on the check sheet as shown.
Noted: 8:19
